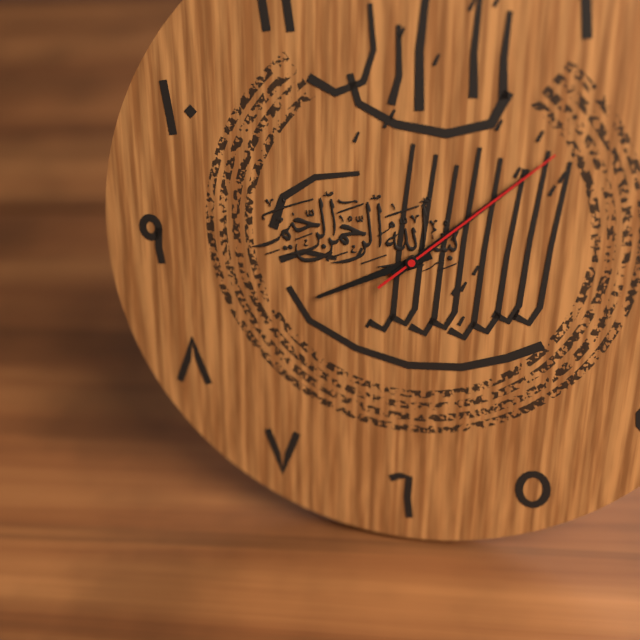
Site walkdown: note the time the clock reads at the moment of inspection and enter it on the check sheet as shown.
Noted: 8:08:08
